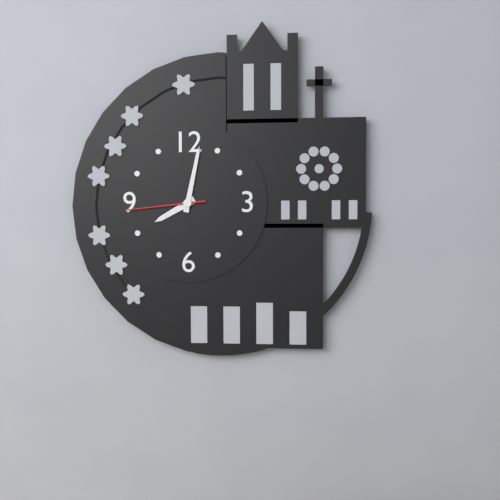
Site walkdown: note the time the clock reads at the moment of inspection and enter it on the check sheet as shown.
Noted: 8:02:44
